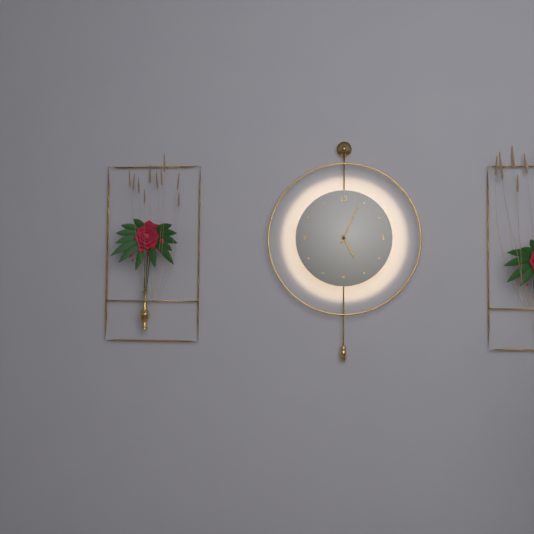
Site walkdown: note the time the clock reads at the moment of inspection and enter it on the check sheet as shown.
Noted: 5:04
